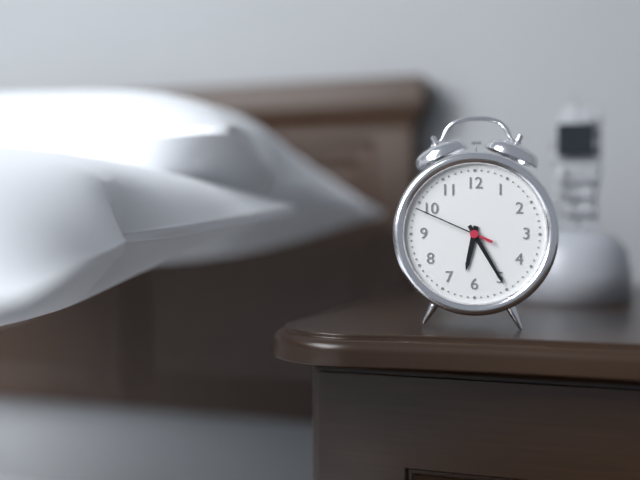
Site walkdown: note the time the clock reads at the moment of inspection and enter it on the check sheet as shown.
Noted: 6:25:49
